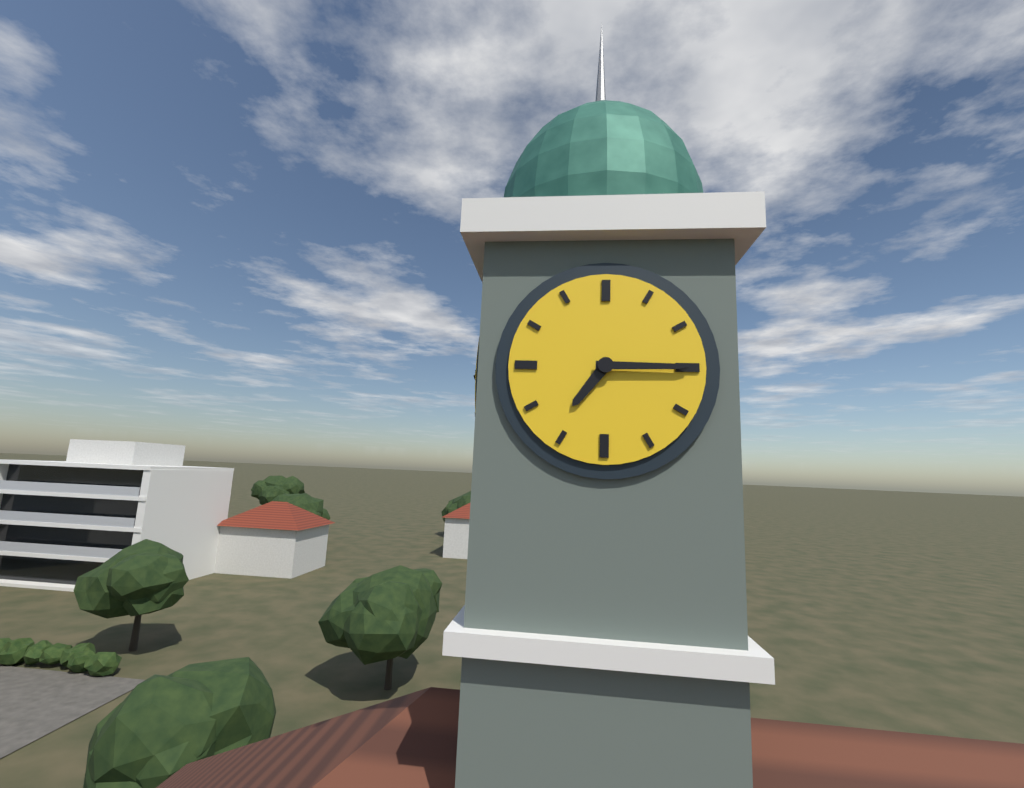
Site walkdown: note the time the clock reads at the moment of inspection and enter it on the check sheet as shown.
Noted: 7:15
